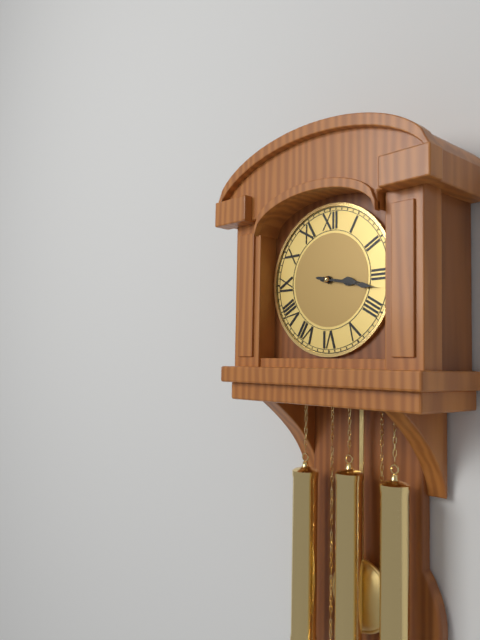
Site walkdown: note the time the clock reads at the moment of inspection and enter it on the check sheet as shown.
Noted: 3:17
